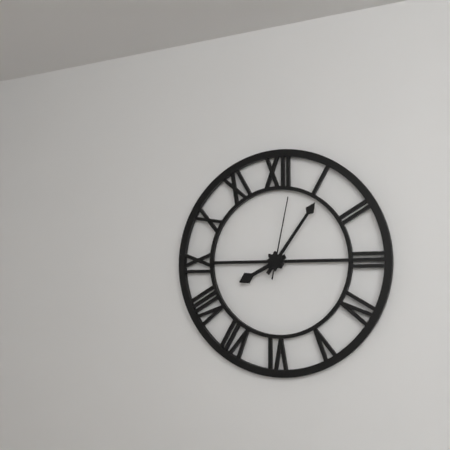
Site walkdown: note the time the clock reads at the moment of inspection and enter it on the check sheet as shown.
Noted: 8:06:02
